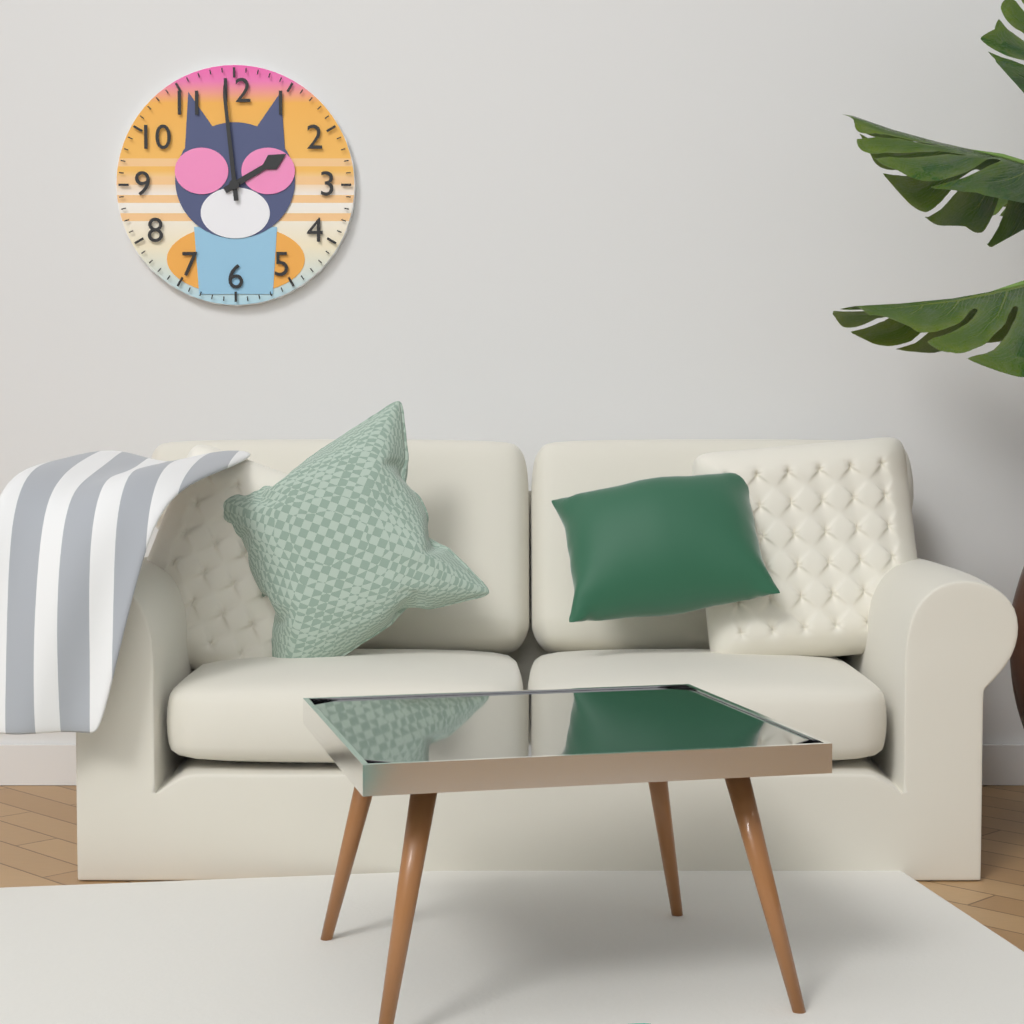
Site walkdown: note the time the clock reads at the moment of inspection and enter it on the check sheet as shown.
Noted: 1:59
